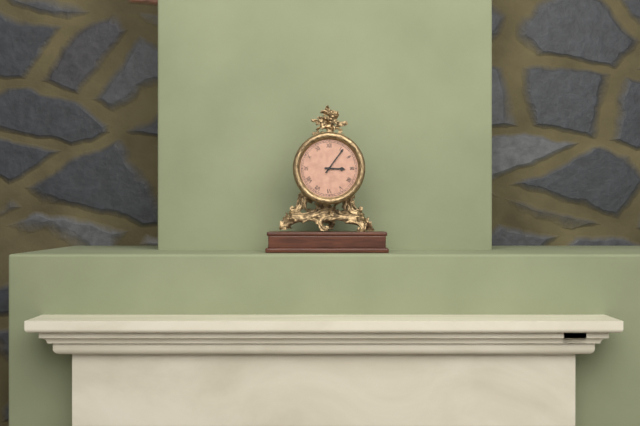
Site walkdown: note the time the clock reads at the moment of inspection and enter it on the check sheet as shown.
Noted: 3:06
